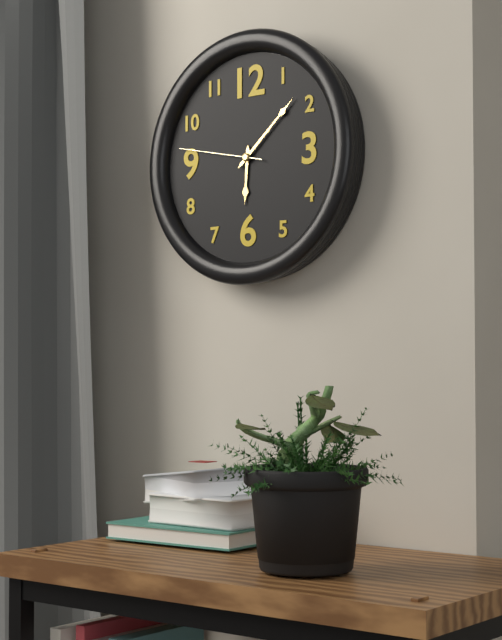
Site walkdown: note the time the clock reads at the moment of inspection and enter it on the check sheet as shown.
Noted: 6:08:47
